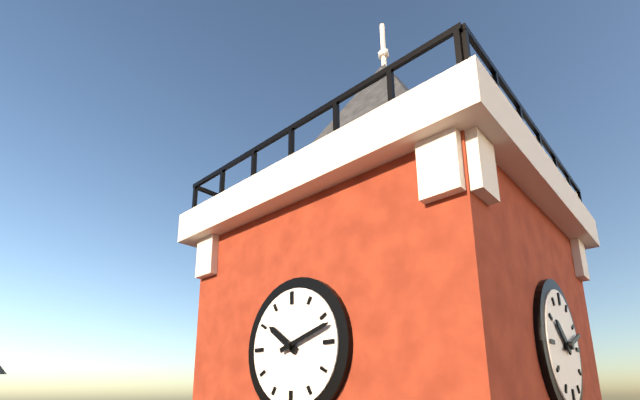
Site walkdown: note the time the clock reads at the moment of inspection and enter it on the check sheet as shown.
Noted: 10:12
